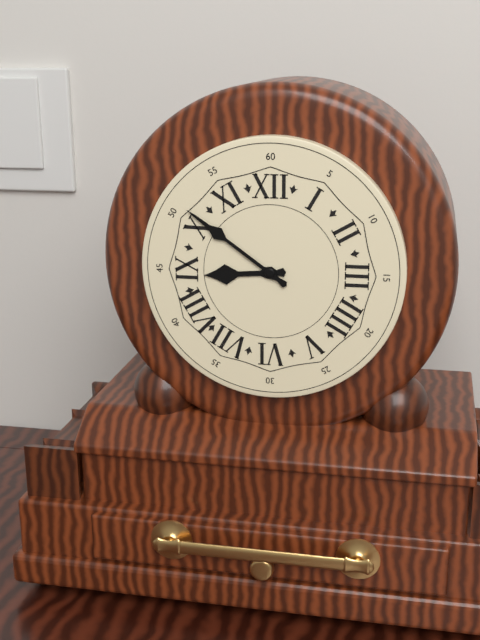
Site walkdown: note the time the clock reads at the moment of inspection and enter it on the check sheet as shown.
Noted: 8:51
